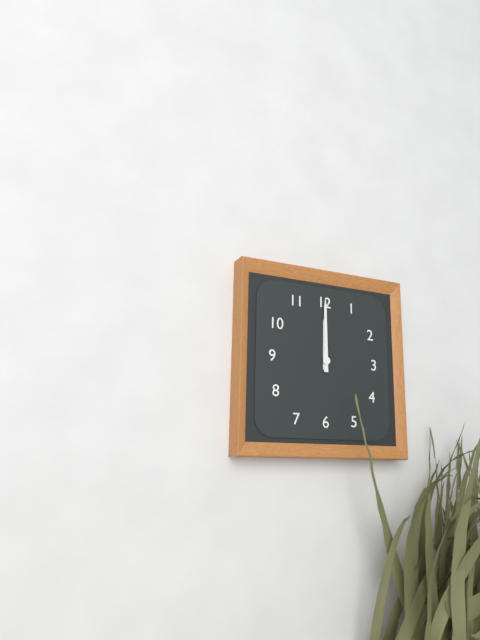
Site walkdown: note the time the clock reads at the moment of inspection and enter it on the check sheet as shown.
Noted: 12:00
